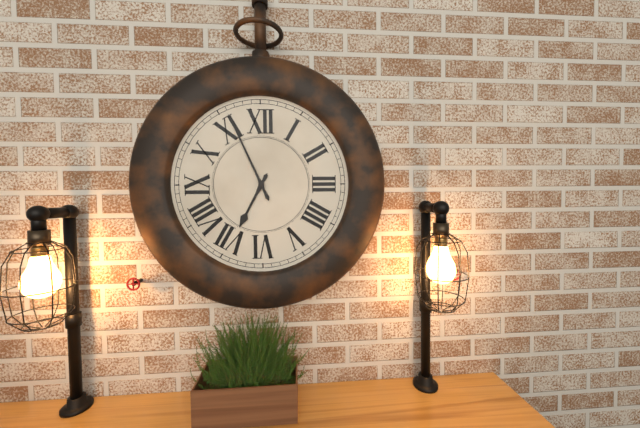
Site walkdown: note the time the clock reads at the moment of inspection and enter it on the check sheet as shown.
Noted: 6:56
